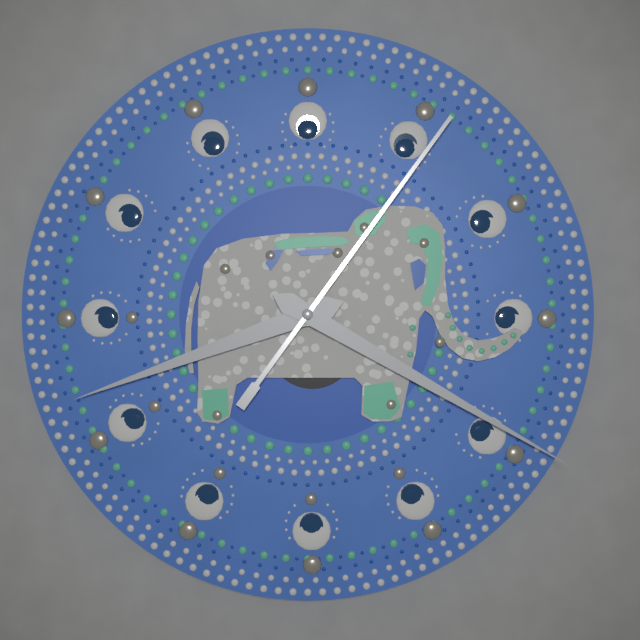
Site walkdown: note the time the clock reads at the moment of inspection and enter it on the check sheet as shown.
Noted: 8:20:06
